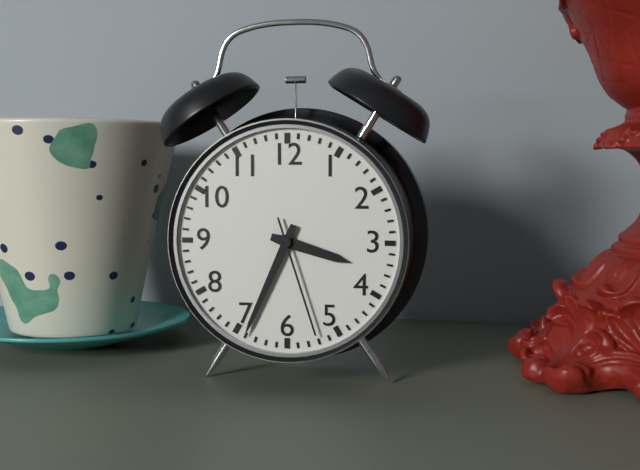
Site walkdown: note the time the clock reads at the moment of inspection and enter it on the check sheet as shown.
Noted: 3:34:27
